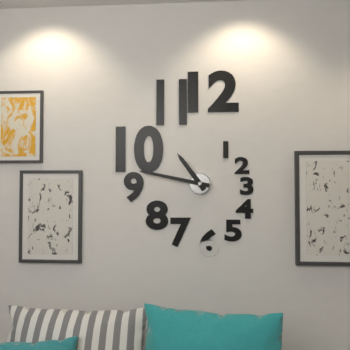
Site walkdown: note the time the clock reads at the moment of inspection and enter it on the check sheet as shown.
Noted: 10:47
